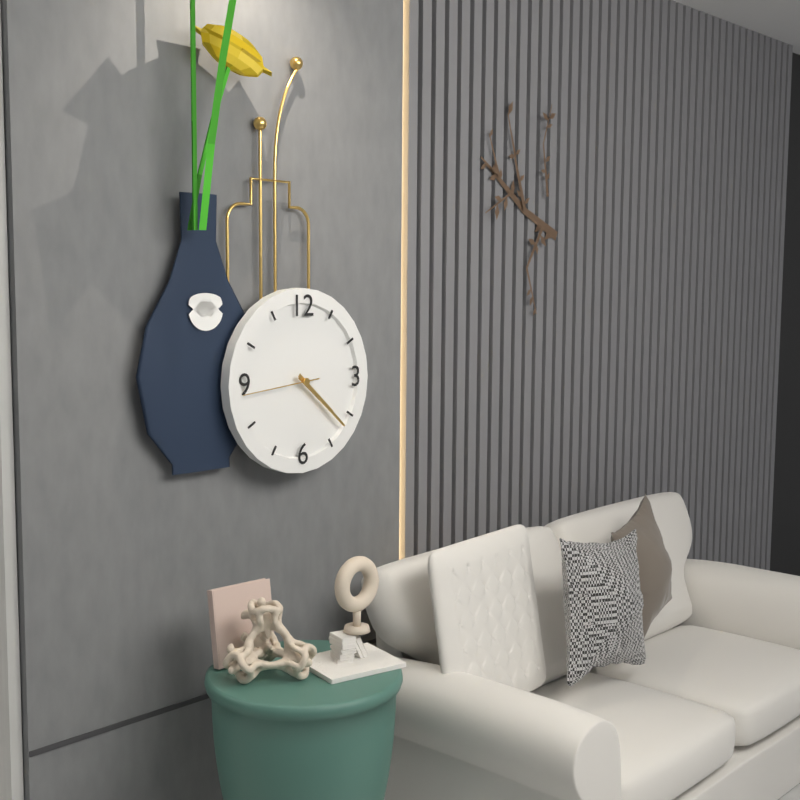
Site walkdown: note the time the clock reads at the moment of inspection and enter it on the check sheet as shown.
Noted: 4:22:44
